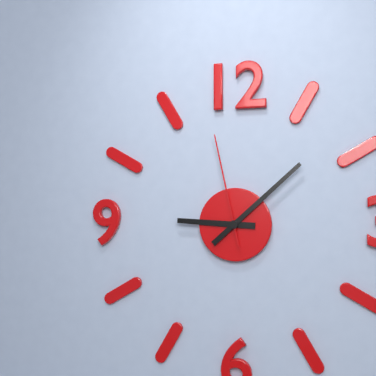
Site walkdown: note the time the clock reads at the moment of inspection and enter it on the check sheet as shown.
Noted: 9:08:58
